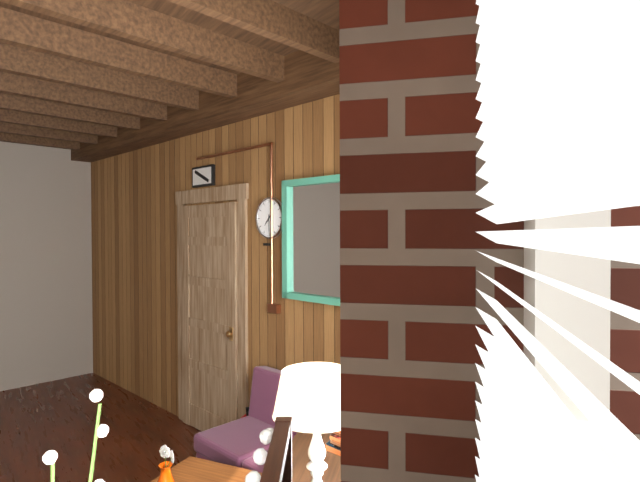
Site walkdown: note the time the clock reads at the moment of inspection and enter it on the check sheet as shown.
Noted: 7:30
